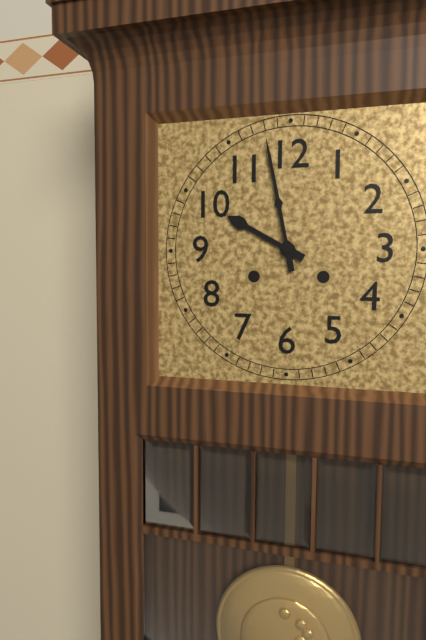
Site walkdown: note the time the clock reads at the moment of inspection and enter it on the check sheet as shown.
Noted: 9:58
